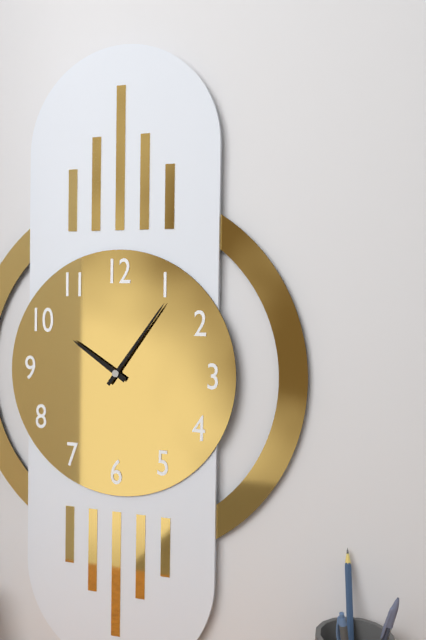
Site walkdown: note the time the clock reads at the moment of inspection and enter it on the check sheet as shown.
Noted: 10:06
